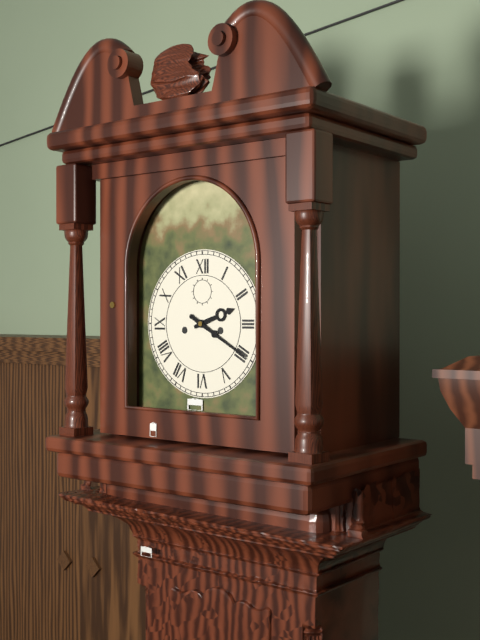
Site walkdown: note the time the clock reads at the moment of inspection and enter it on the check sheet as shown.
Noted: 2:20
